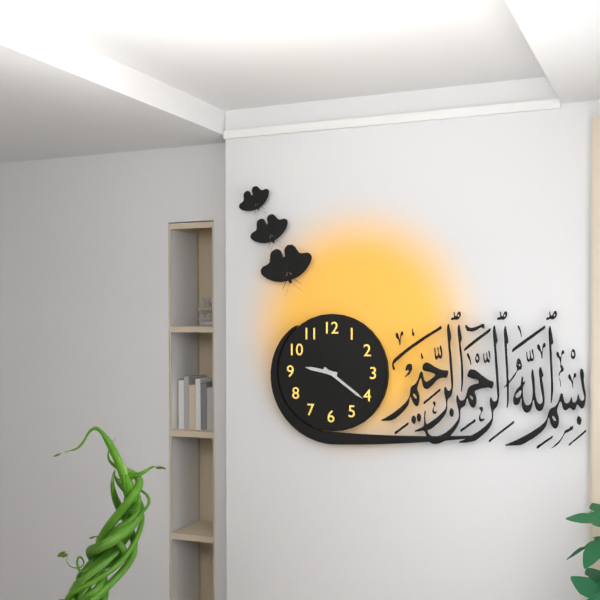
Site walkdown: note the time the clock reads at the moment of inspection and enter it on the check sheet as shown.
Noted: 9:21
